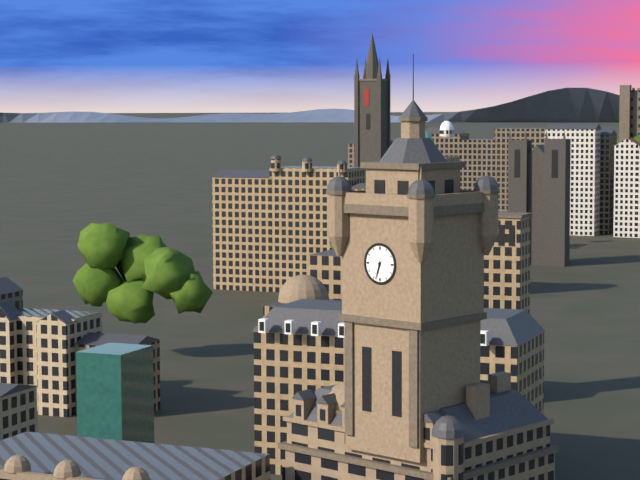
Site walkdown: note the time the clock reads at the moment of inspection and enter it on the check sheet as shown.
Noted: 6:33
